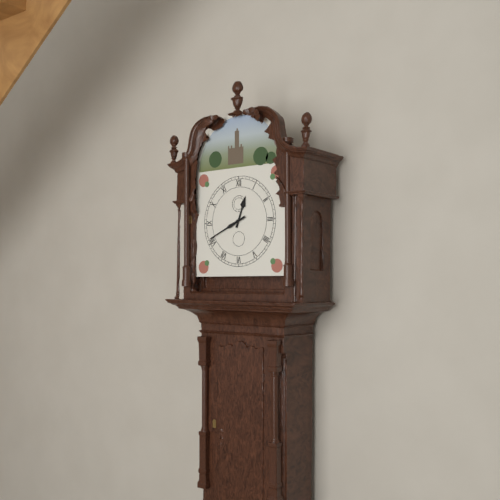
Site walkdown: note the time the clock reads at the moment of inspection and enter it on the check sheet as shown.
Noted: 12:41
